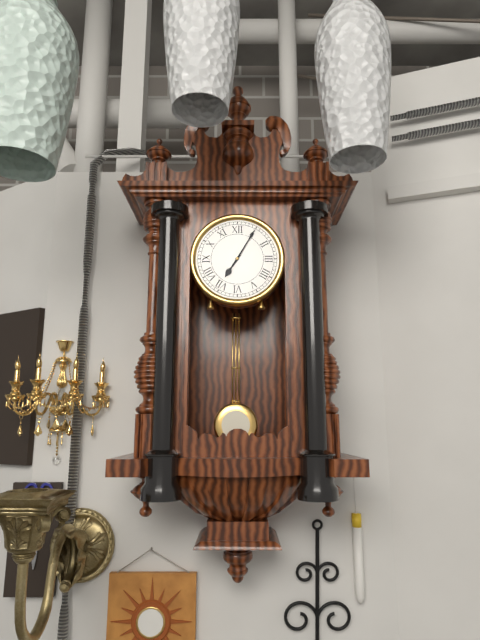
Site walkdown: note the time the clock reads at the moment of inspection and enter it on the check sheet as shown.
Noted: 7:05
